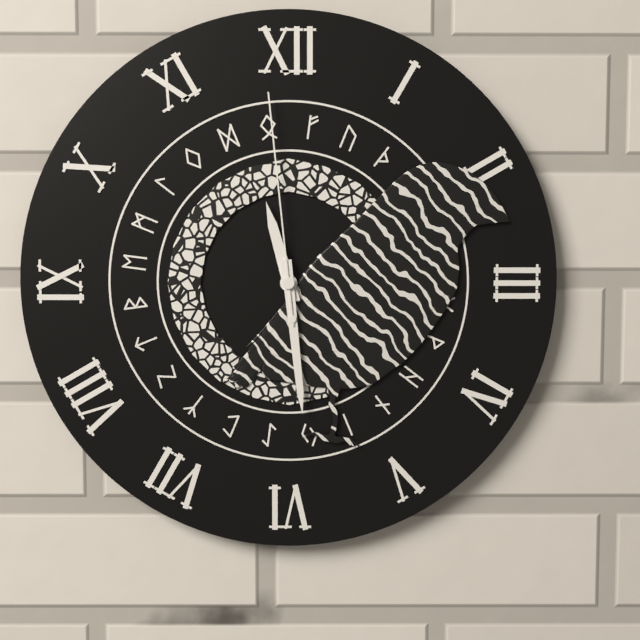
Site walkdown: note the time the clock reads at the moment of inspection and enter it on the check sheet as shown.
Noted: 11:29:59
